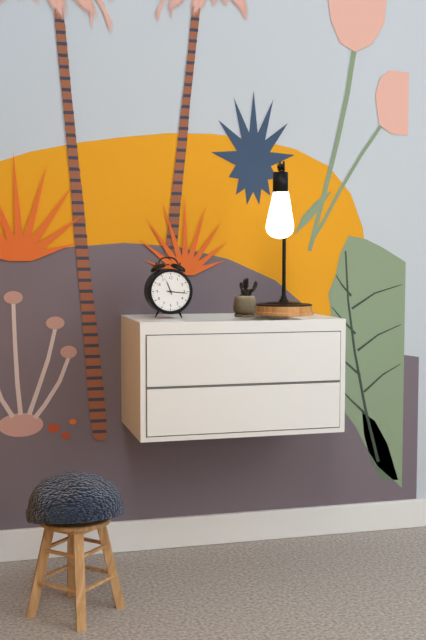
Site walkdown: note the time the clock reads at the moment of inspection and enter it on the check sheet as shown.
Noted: 11:16
